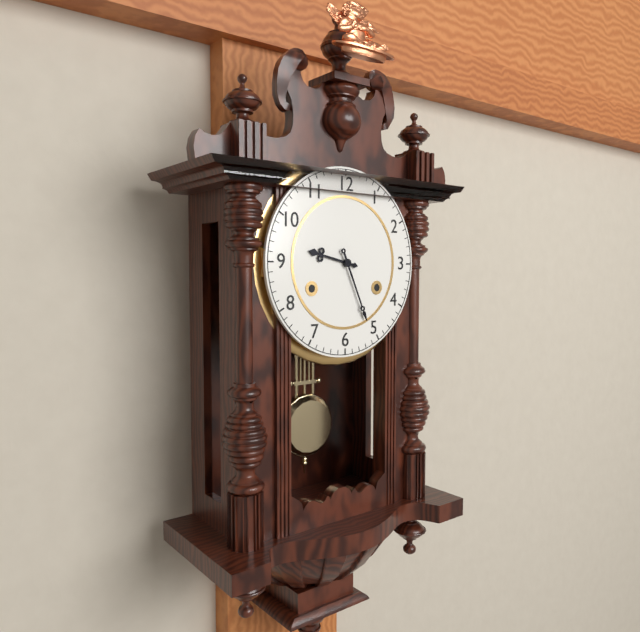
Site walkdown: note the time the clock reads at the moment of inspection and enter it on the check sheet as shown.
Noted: 9:26
